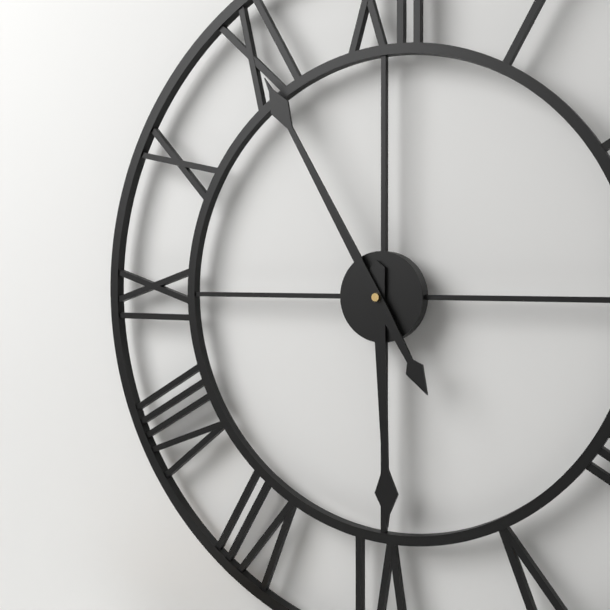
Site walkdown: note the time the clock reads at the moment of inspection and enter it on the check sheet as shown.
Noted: 5:55
